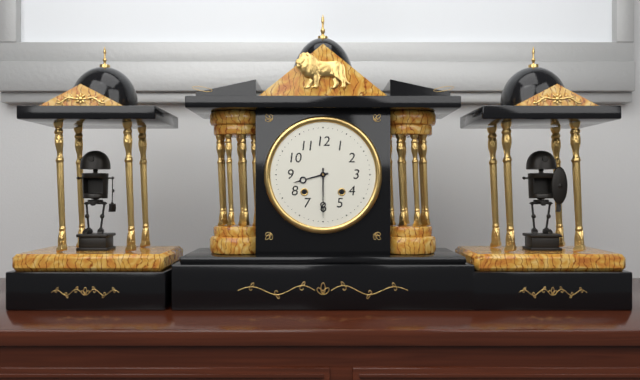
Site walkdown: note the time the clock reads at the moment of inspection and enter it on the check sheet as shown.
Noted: 8:30
